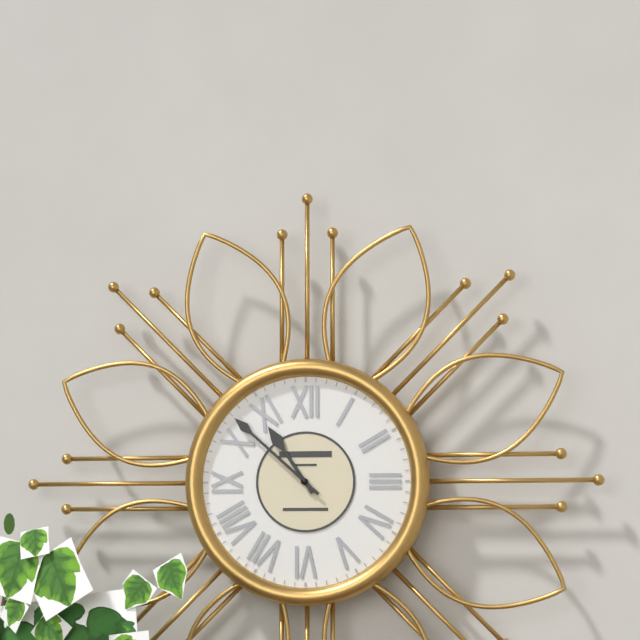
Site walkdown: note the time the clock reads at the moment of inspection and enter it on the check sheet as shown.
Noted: 10:52
